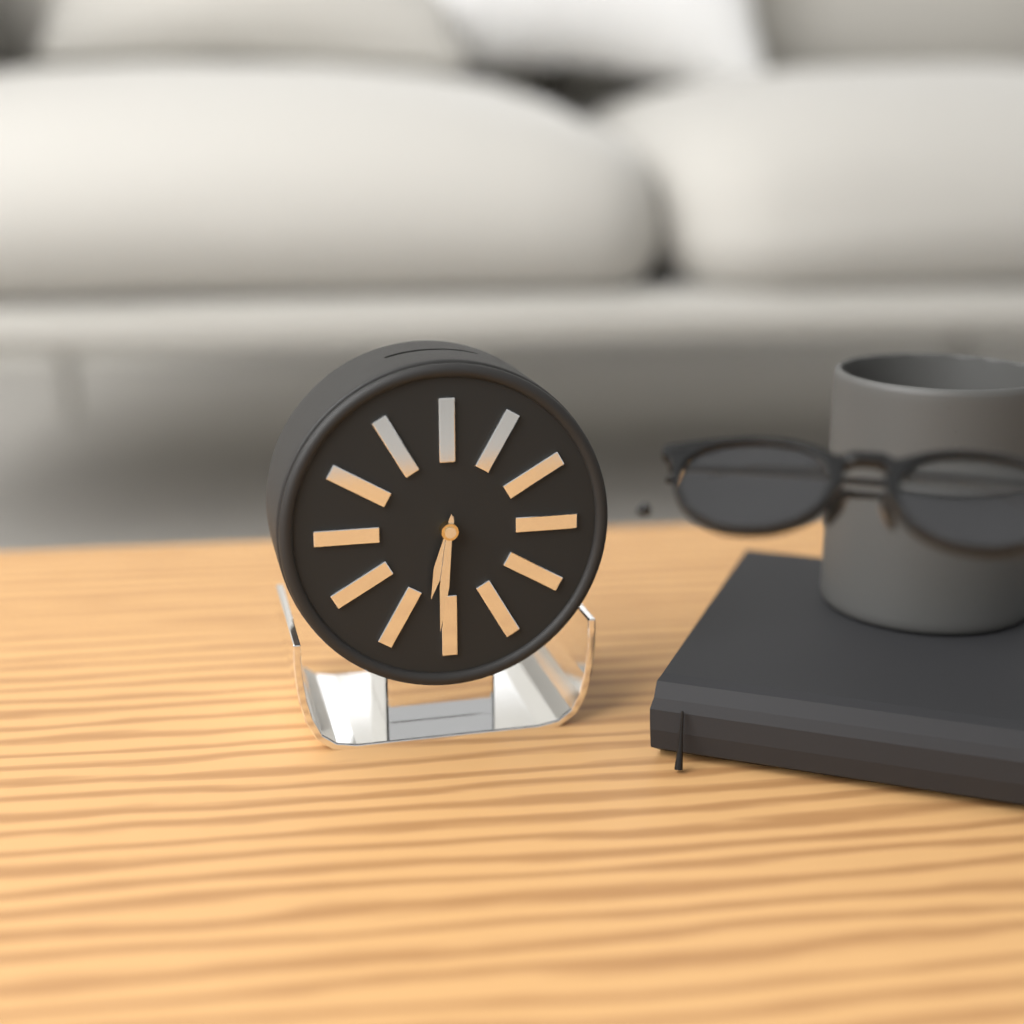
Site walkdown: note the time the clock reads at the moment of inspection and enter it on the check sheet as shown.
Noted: 6:31
